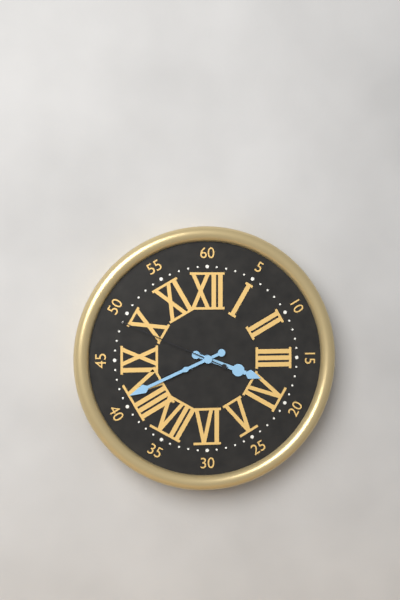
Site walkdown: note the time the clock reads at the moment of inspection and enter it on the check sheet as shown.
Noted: 3:41:49
